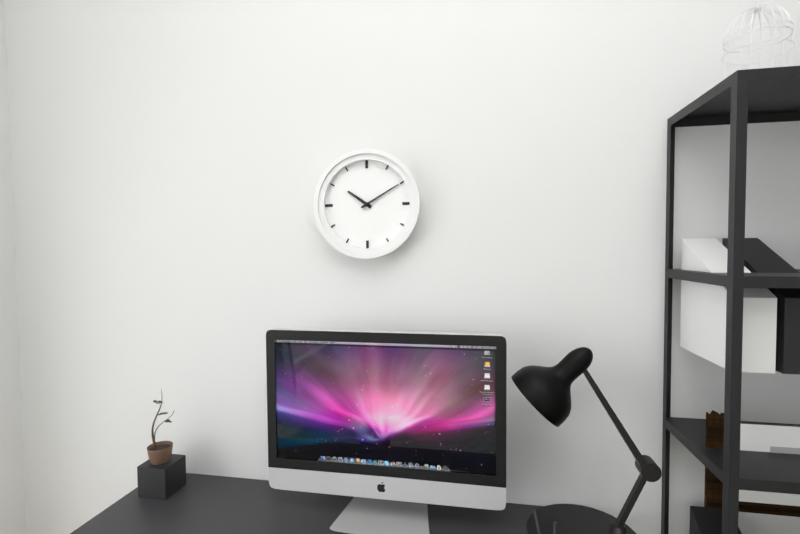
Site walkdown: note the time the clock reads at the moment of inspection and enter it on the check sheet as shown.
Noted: 10:10
